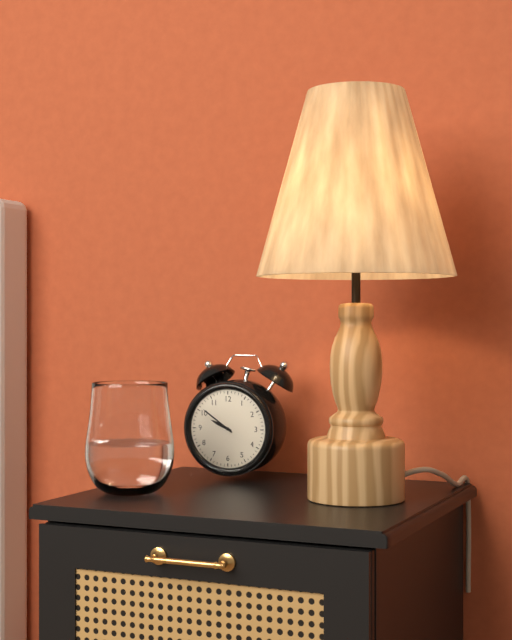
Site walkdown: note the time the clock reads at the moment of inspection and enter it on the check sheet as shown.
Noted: 9:51
